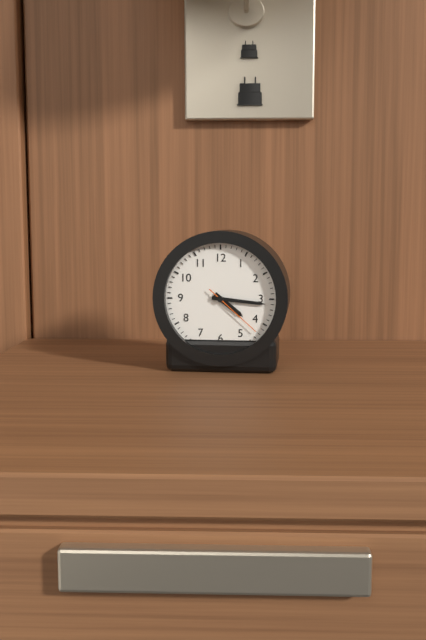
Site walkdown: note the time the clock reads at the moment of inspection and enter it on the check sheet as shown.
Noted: 4:16:22
